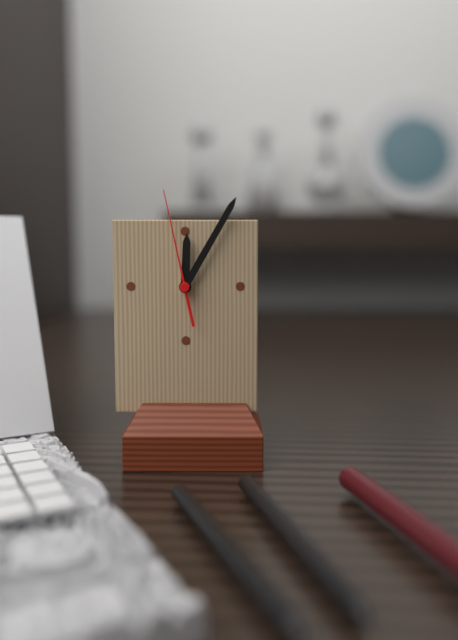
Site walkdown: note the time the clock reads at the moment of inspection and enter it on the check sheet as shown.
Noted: 12:05:58
